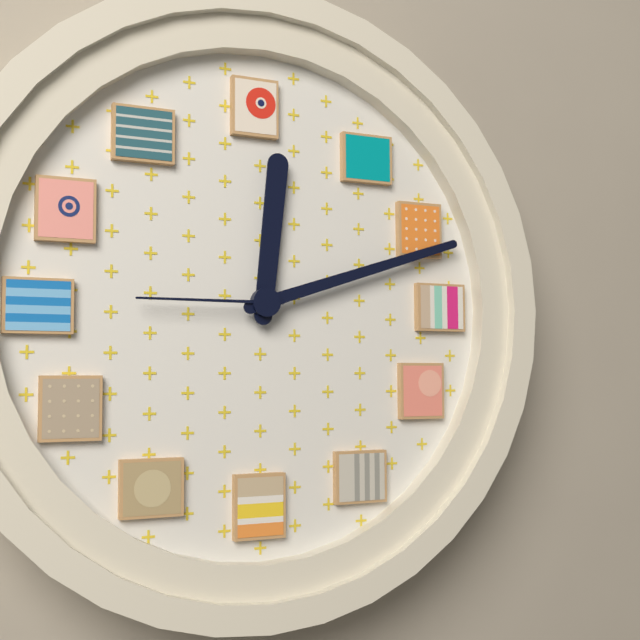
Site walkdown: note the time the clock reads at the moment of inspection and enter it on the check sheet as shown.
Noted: 12:12:45
